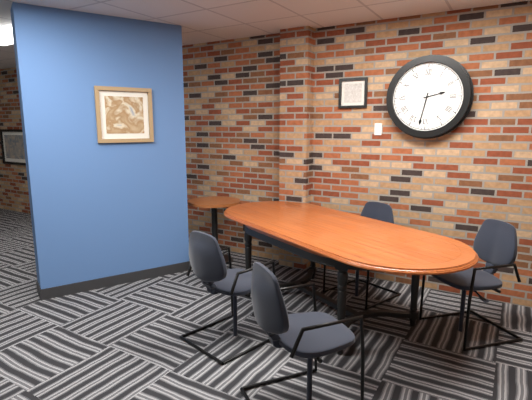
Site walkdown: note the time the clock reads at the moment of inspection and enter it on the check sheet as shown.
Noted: 2:32
